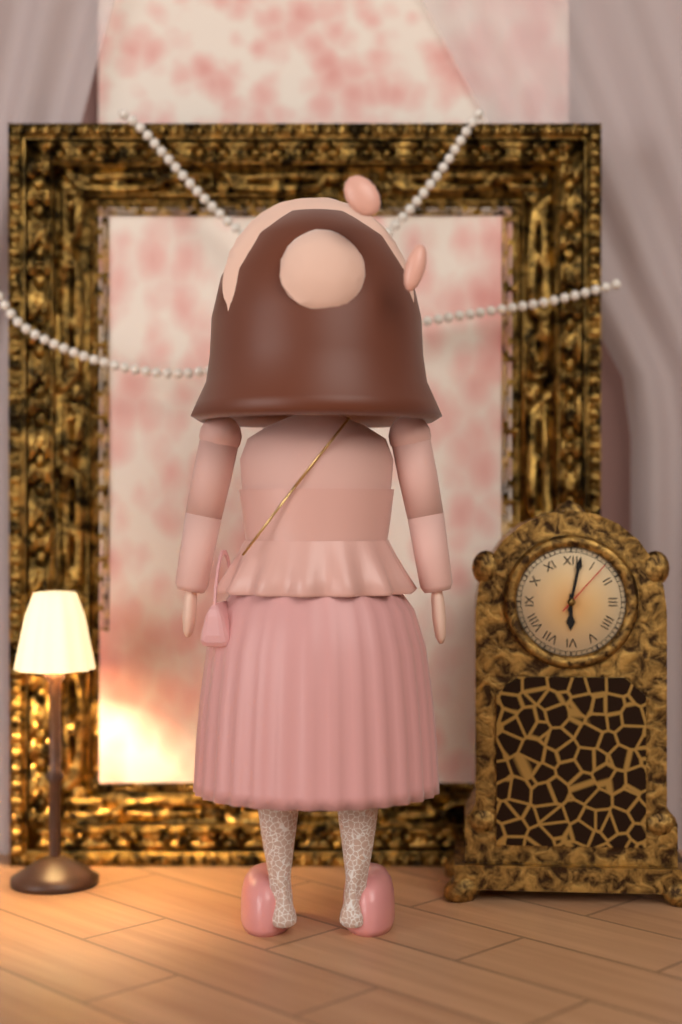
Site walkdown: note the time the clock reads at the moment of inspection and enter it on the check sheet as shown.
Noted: 6:02:07
